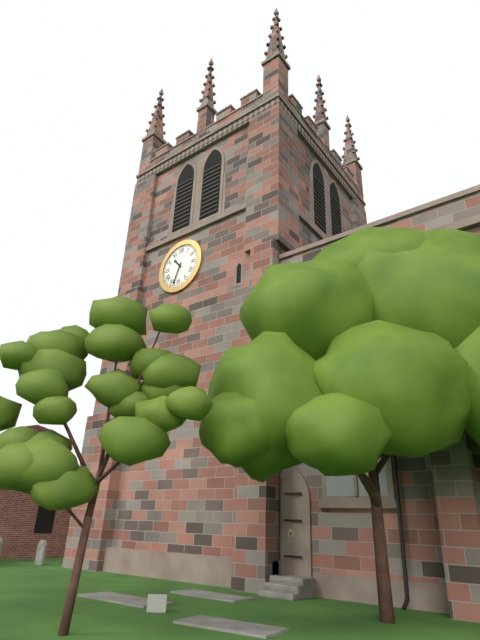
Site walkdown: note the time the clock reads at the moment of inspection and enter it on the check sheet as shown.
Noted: 10:33
